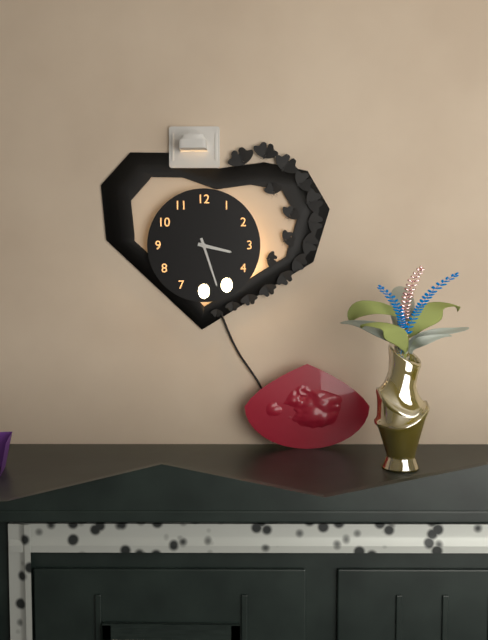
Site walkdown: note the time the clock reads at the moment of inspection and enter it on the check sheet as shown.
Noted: 3:27
